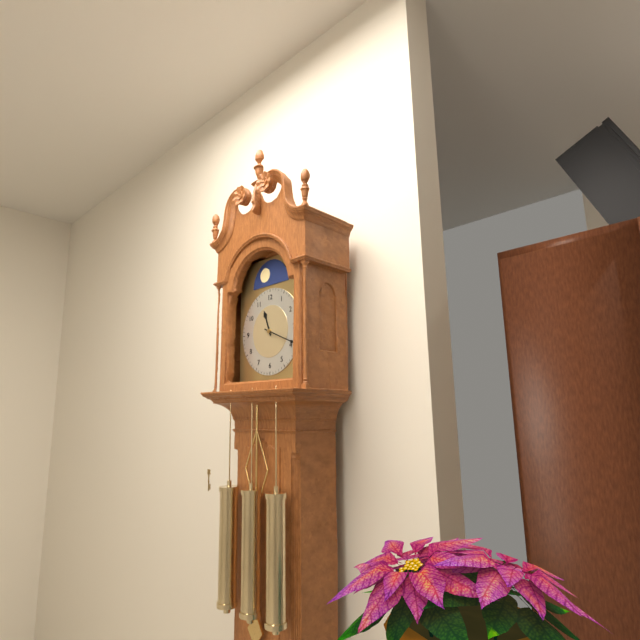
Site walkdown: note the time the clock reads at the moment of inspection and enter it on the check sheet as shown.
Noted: 11:19
